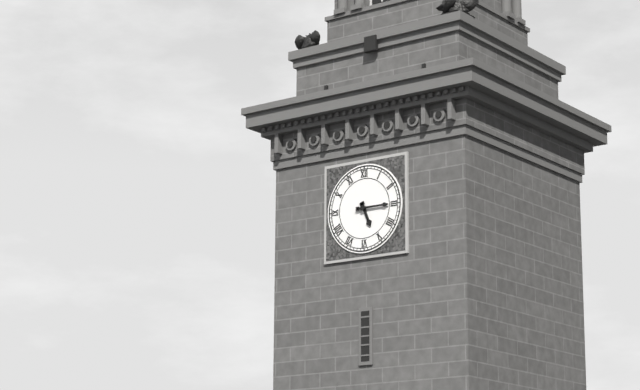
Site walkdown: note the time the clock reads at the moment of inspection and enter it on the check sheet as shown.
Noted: 5:15
